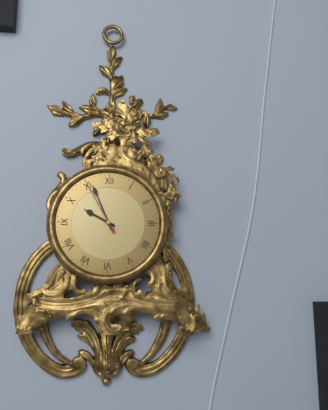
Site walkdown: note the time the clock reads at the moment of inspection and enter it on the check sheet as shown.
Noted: 9:56:55
